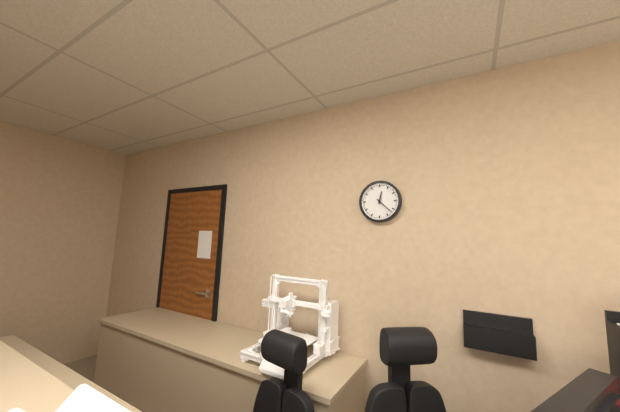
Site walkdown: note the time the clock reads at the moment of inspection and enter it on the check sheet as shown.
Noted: 12:22
